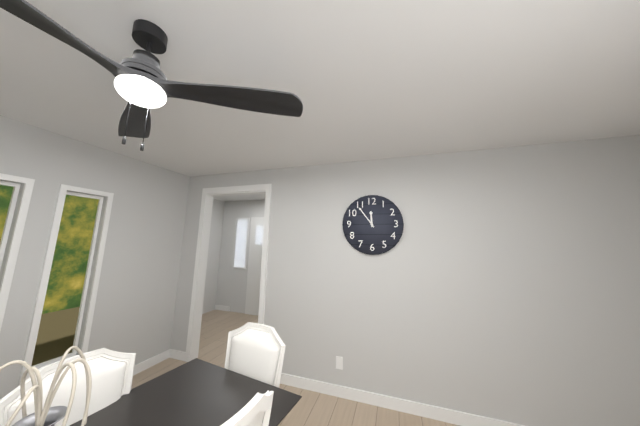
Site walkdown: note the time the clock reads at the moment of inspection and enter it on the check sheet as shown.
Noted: 11:54
